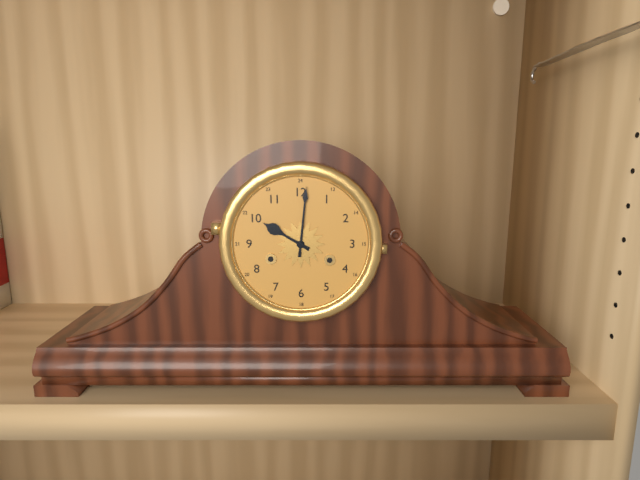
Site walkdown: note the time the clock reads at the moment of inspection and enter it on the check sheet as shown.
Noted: 10:01
